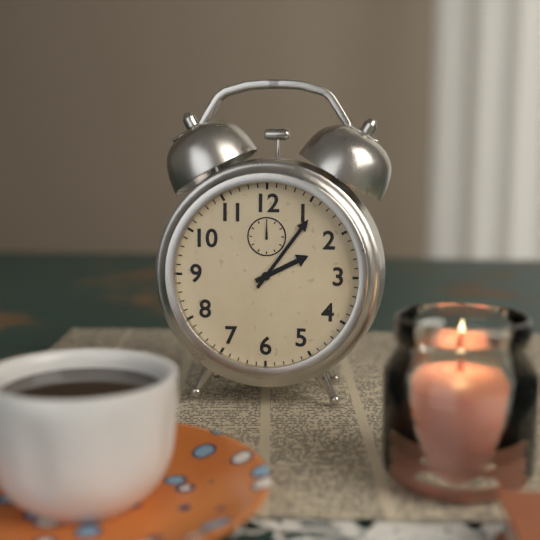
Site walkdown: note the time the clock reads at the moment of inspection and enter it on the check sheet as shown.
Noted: 2:06
